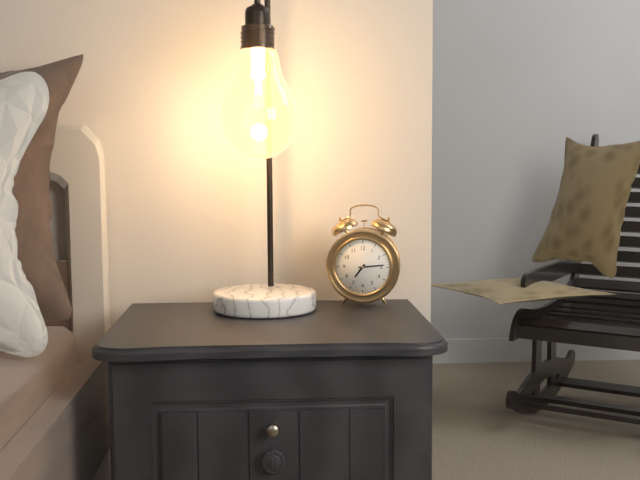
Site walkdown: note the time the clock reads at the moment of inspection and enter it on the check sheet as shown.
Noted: 7:14
